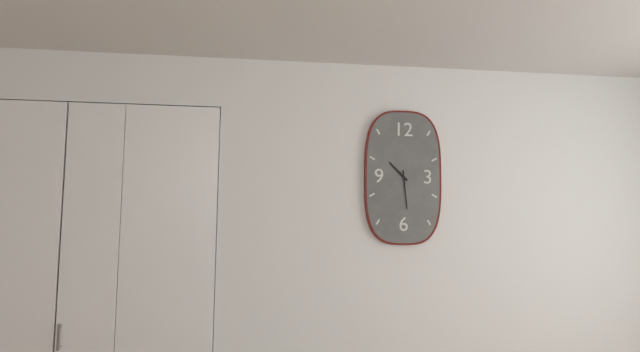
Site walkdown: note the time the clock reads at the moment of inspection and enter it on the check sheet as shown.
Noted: 10:29
